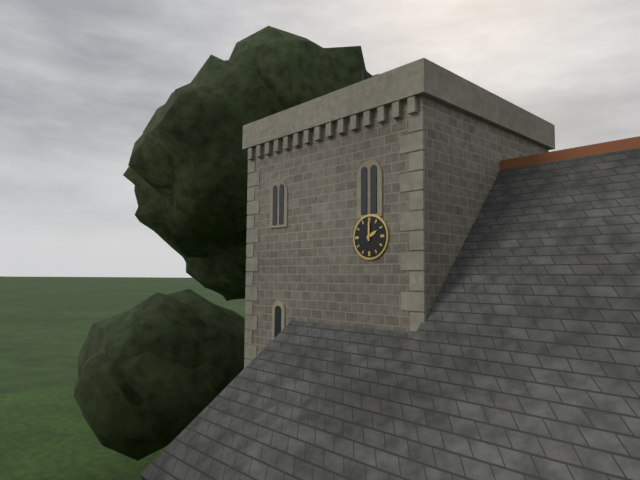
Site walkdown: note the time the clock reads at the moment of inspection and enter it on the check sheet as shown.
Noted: 2:00
